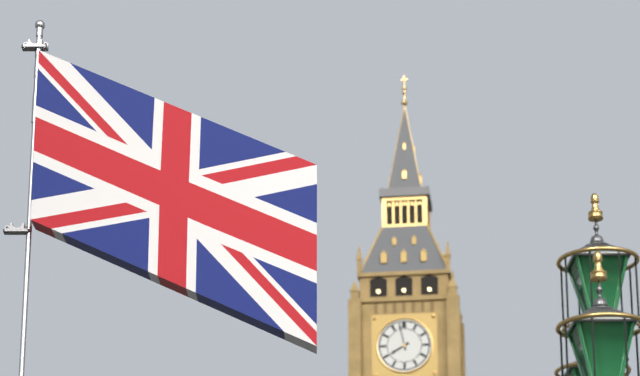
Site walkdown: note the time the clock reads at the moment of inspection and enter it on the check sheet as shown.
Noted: 7:58
